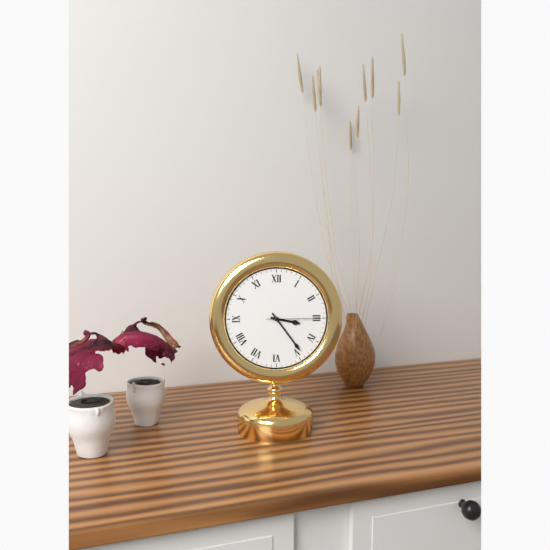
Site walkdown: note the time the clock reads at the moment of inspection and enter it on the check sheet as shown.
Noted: 3:24:15
